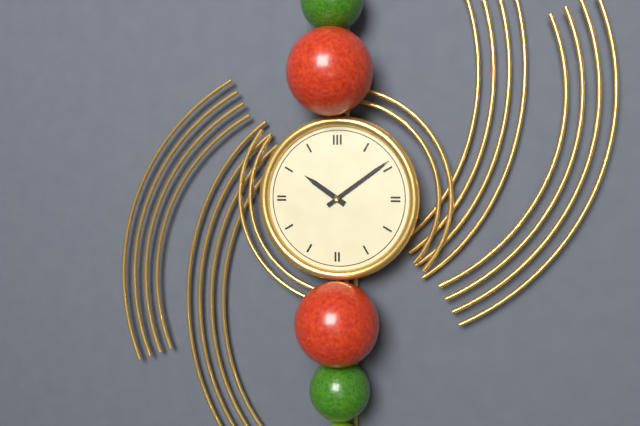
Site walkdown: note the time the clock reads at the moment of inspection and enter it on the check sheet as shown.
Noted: 10:09
